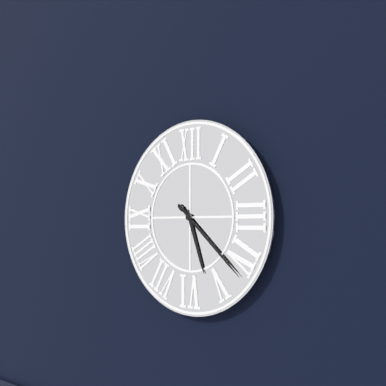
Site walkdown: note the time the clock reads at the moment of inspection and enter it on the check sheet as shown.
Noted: 5:22
